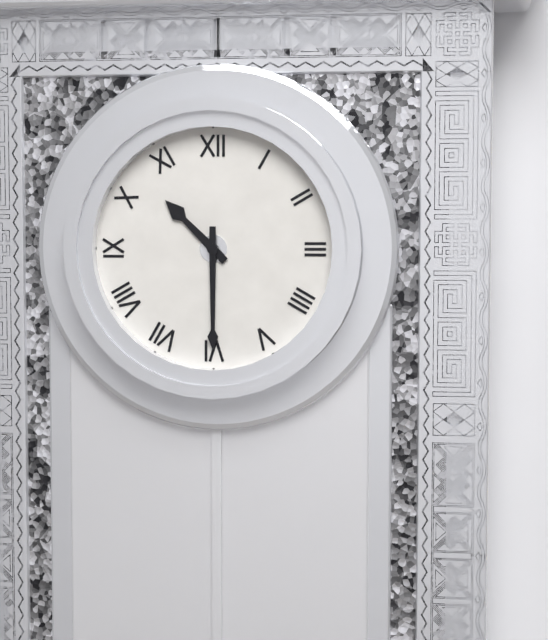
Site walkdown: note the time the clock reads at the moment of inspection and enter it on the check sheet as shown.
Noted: 10:30
